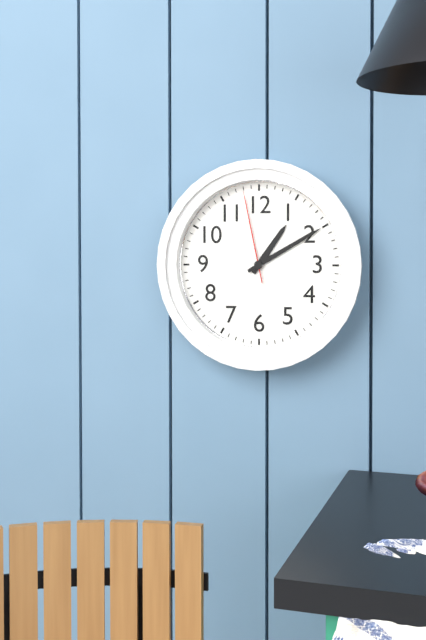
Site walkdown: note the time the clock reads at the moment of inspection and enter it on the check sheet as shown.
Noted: 1:10:58
